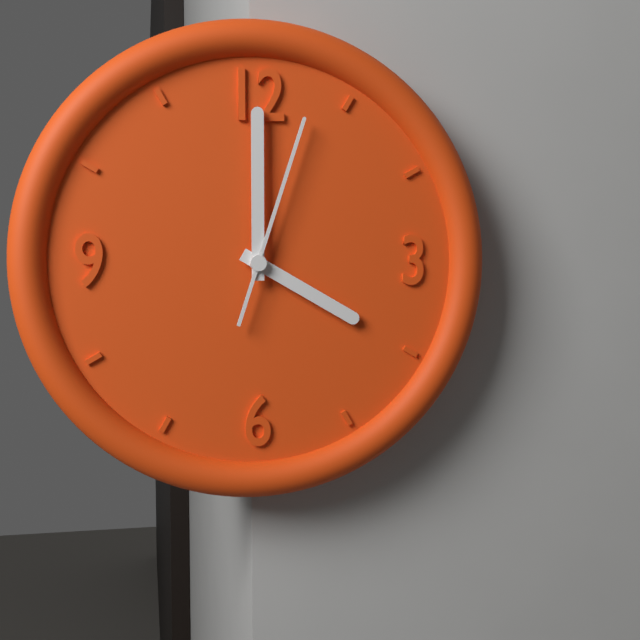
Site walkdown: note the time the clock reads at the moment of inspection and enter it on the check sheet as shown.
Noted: 4:00:03
